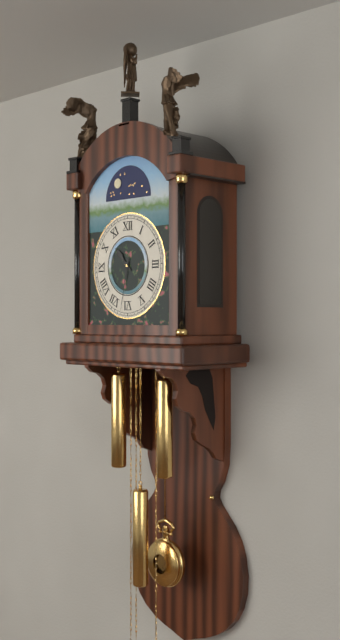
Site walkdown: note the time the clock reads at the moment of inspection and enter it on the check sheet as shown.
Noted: 10:32
